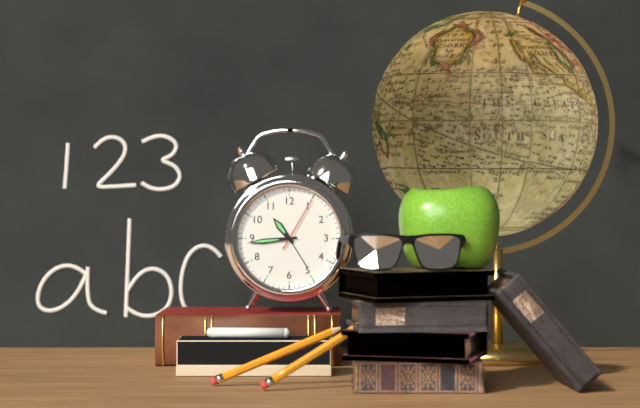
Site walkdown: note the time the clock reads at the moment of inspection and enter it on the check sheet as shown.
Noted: 10:44:05
